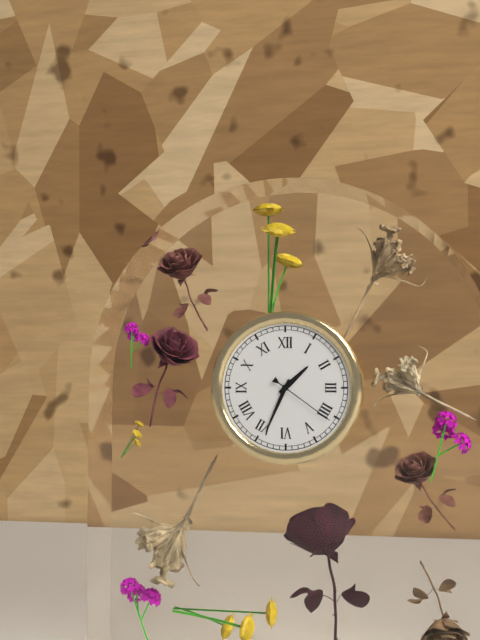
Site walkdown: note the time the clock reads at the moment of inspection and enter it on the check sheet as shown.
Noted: 1:34:21
